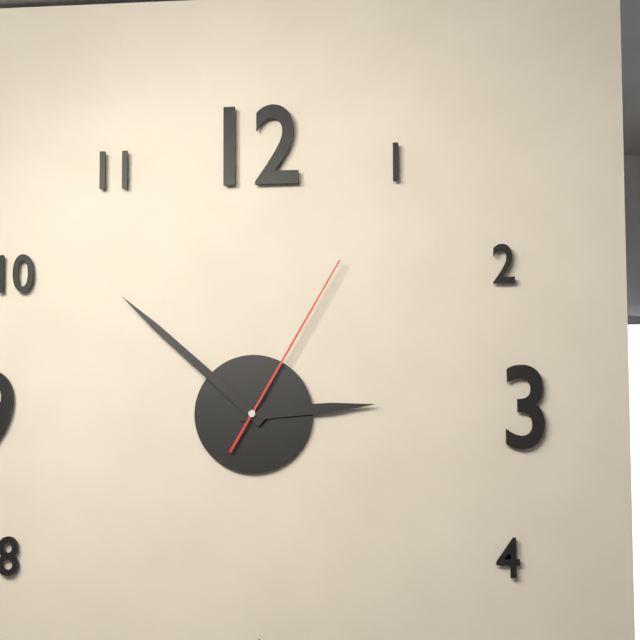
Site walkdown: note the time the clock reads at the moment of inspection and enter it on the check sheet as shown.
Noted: 2:52:05
